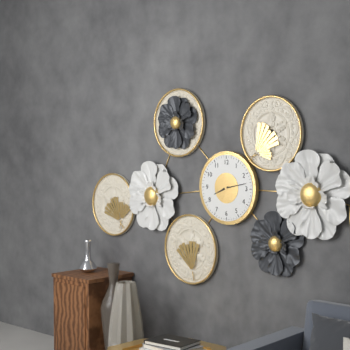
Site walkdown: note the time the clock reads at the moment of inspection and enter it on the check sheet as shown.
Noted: 8:13
